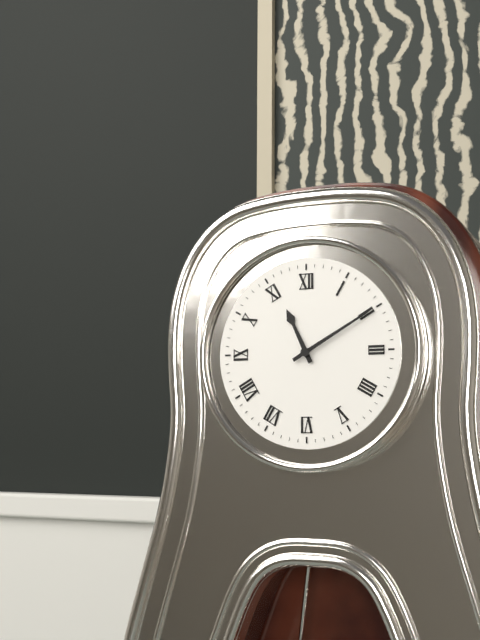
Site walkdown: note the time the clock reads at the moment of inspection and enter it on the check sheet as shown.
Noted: 11:10
